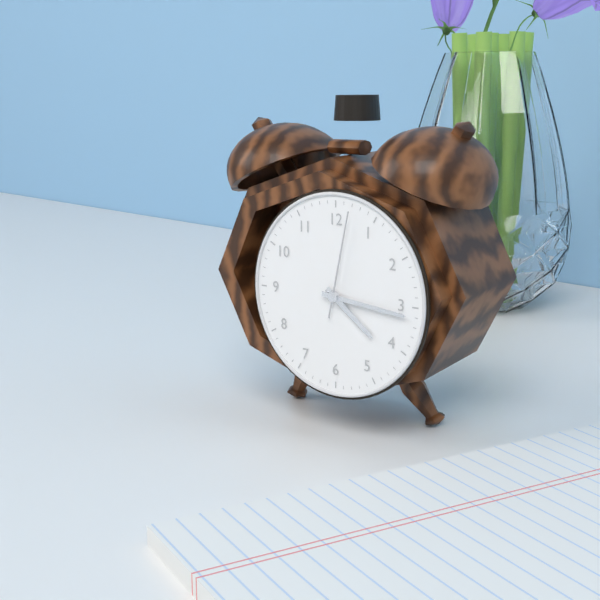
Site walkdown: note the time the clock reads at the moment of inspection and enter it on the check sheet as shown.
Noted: 4:16:02
